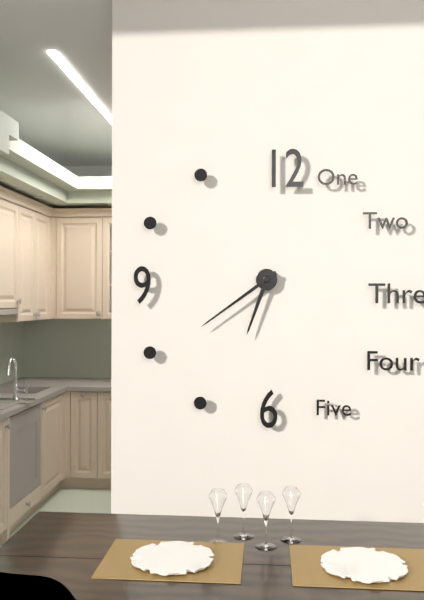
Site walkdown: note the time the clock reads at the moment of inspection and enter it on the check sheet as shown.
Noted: 6:39
